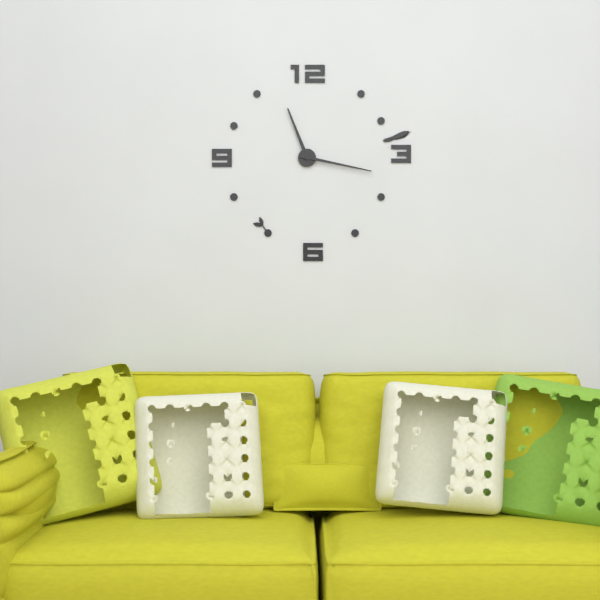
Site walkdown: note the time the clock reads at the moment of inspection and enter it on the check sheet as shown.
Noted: 11:17
